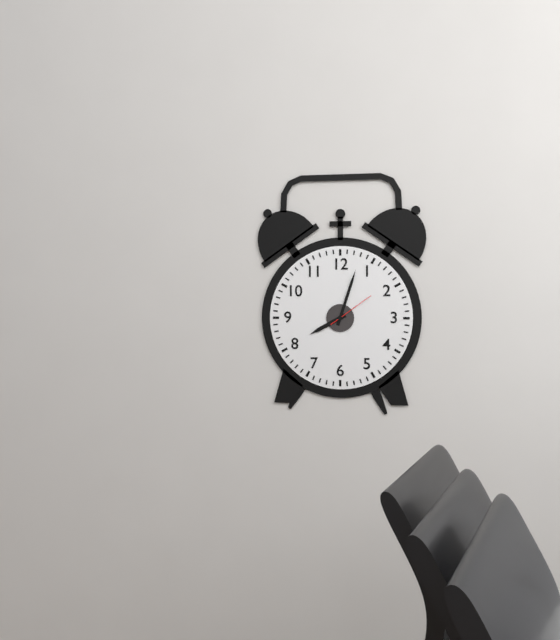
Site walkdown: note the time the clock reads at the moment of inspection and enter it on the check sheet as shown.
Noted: 8:03
